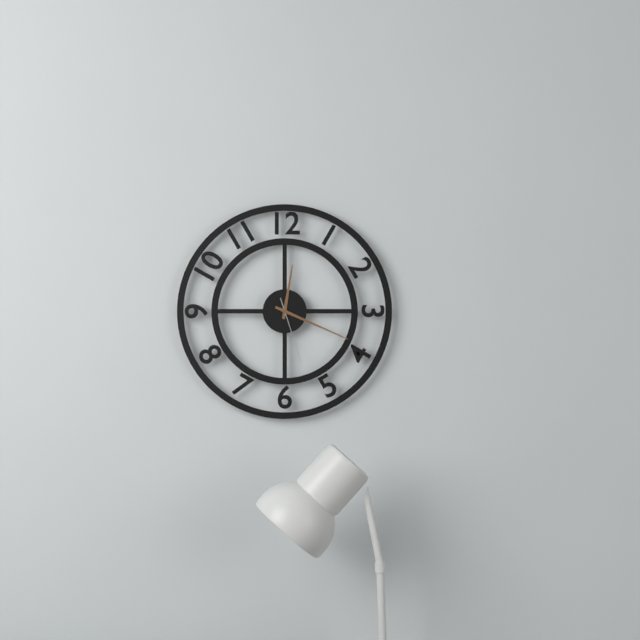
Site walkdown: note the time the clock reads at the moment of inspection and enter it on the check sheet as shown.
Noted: 12:19:27
